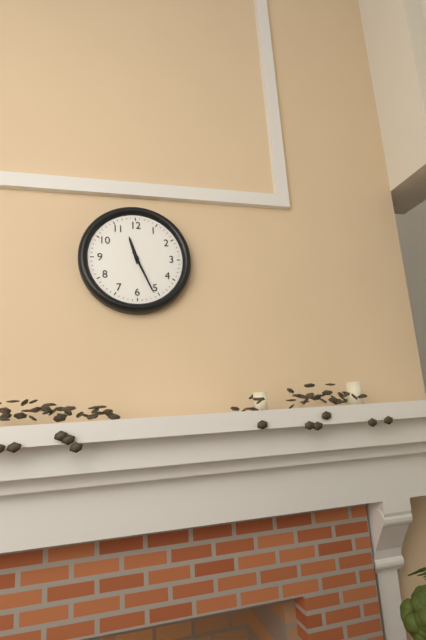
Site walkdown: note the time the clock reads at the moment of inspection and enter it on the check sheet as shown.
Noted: 11:26
